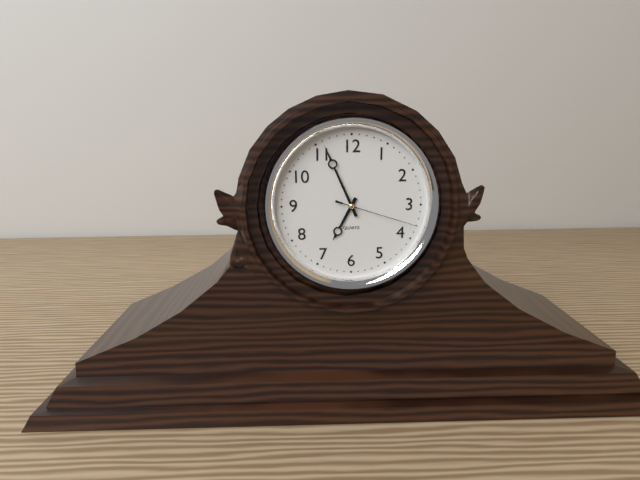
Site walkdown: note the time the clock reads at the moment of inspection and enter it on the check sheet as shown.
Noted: 6:56:18
